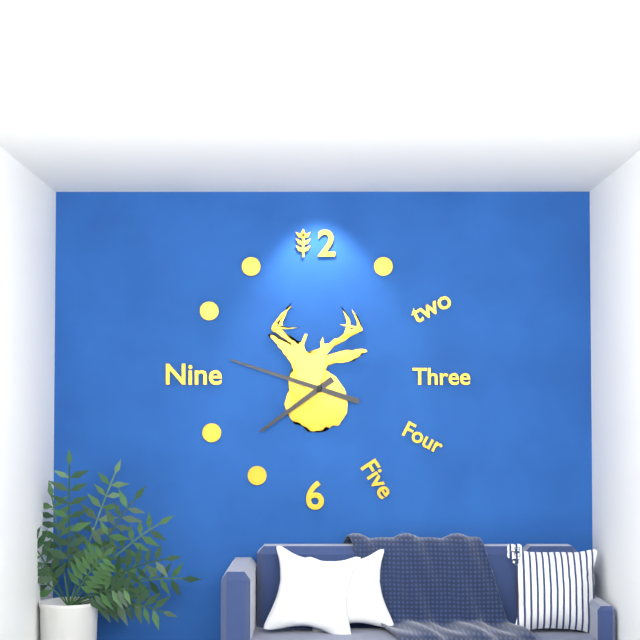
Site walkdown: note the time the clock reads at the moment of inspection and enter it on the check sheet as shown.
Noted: 7:48
